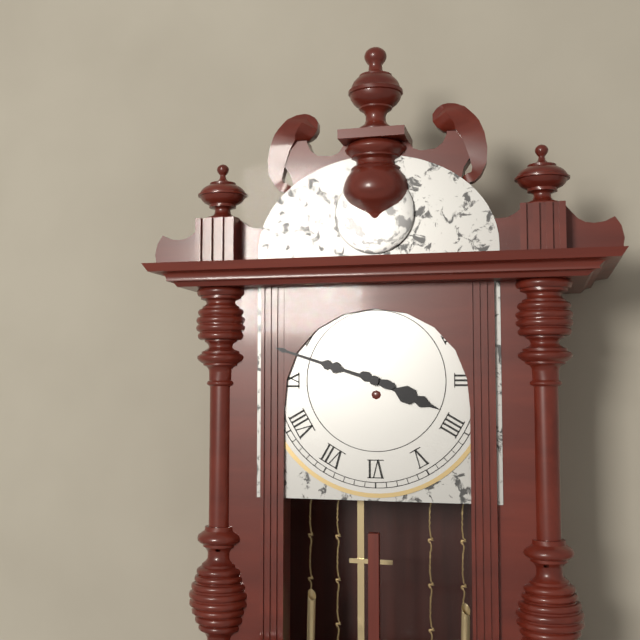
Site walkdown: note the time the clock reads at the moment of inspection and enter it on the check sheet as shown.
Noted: 3:48
